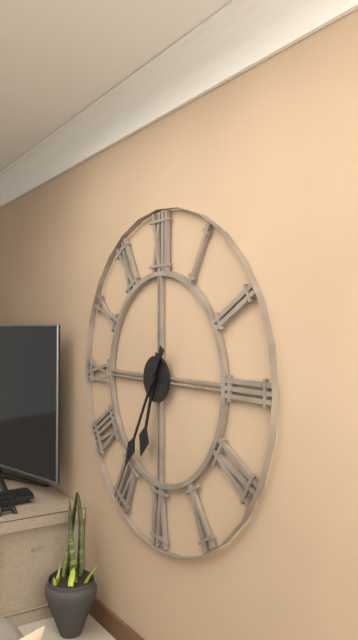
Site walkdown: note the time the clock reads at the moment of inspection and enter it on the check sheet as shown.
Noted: 6:35
